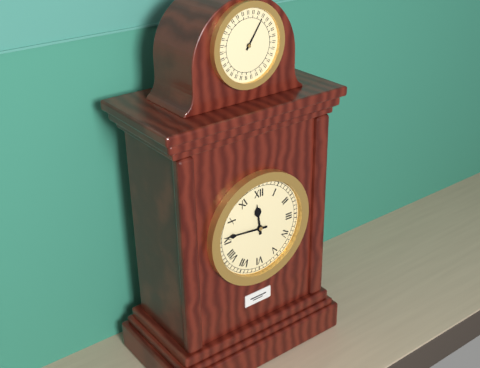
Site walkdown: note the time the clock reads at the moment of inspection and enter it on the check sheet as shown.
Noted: 11:46
